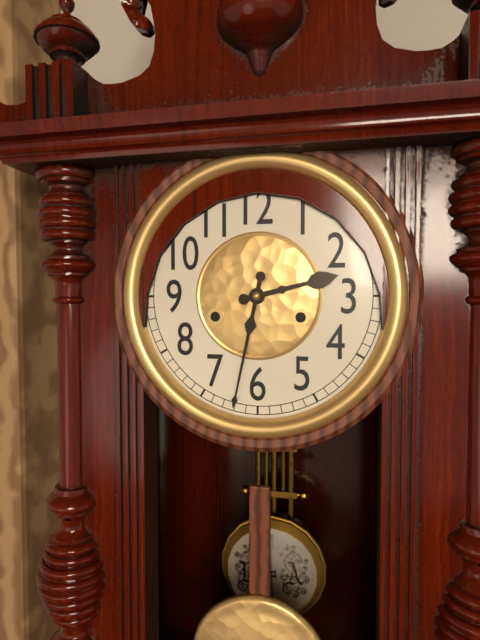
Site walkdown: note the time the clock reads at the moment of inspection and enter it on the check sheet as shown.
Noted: 2:32
